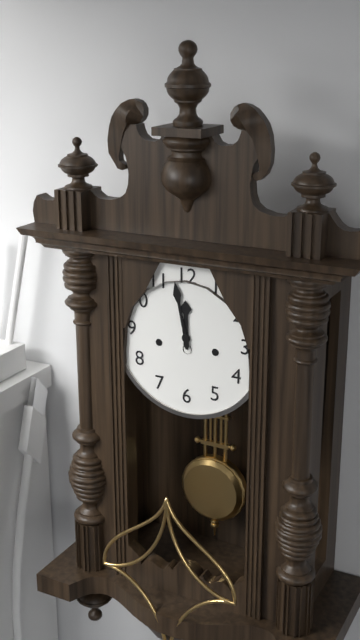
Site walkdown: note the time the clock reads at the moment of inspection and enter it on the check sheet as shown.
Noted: 11:58
